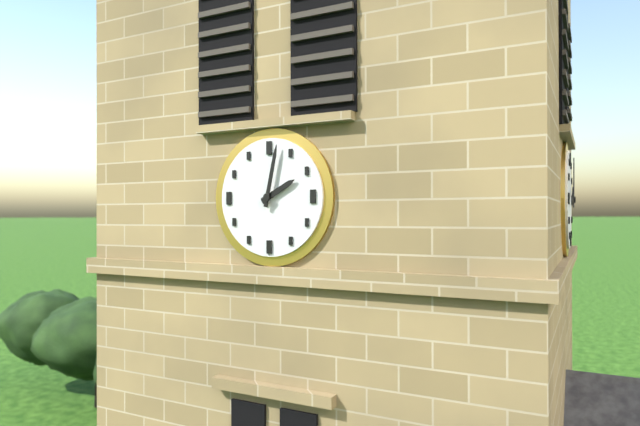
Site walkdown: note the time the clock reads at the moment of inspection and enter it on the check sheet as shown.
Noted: 2:02
